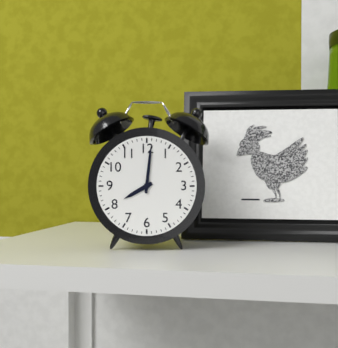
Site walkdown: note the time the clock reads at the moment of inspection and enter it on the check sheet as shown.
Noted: 8:01
